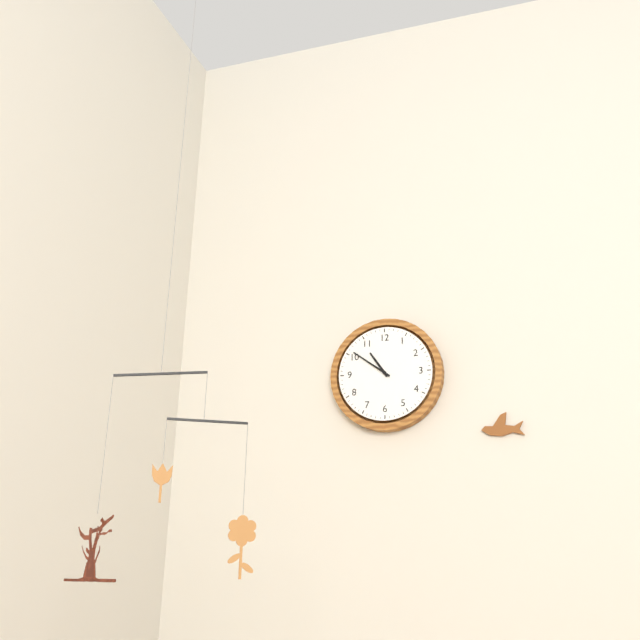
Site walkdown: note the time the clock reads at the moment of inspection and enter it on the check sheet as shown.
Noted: 10:51
